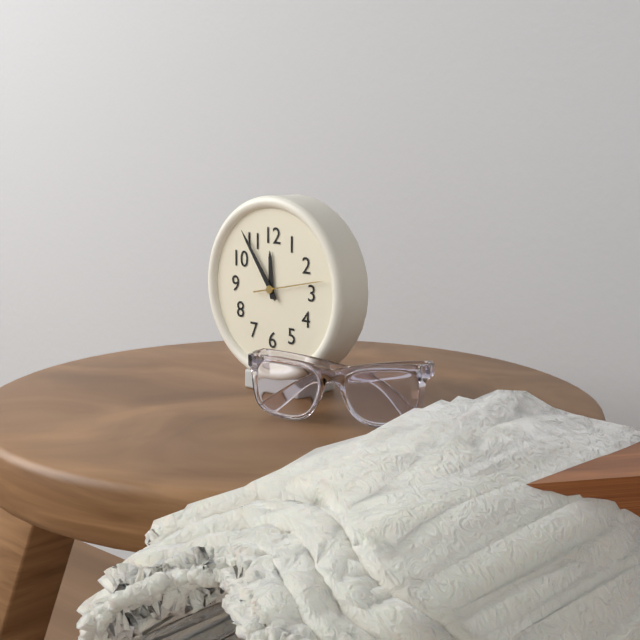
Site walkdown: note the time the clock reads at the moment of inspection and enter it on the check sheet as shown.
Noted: 11:54:13
